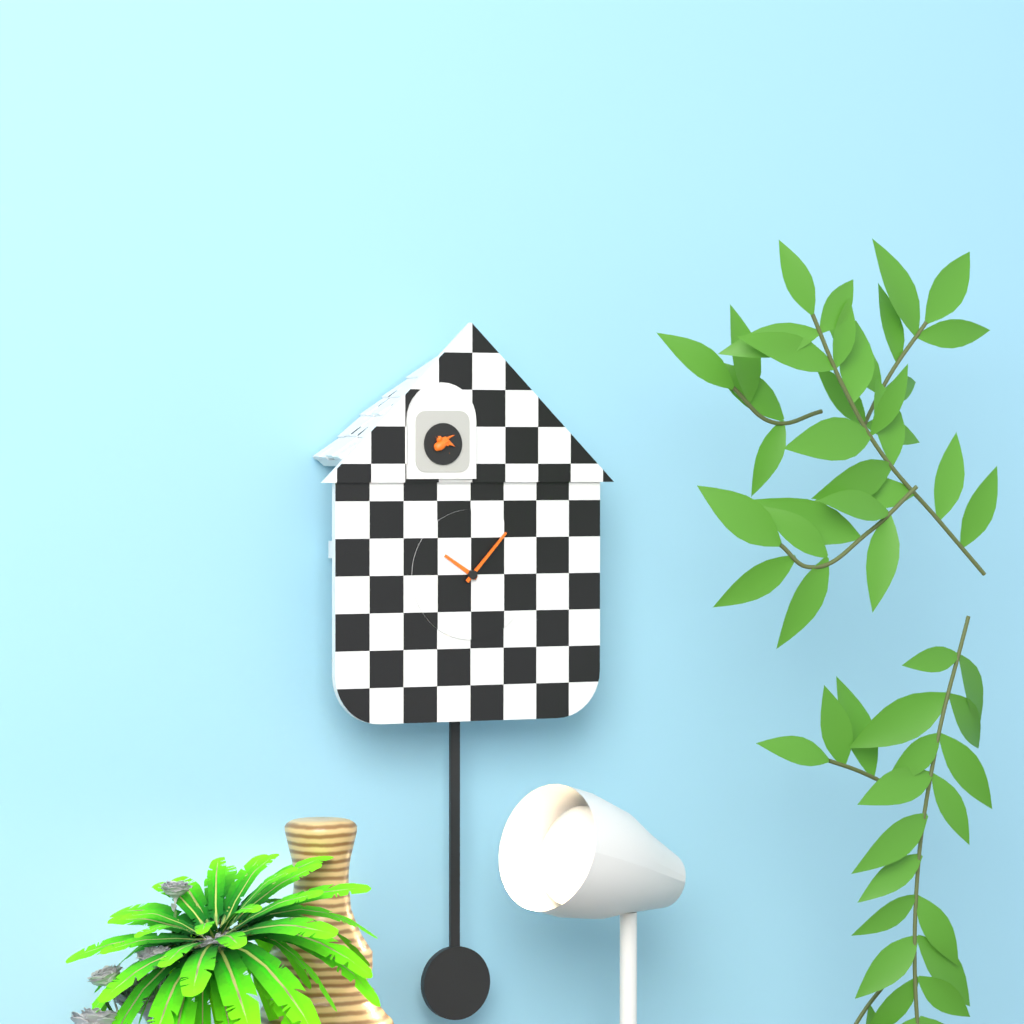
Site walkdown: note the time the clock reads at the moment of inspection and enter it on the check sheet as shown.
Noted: 10:07
